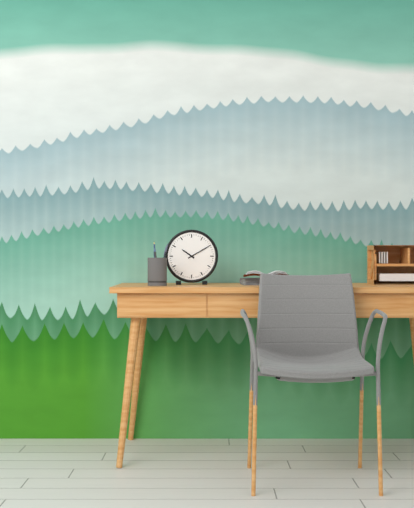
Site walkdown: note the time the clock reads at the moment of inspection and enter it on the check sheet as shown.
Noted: 10:10
